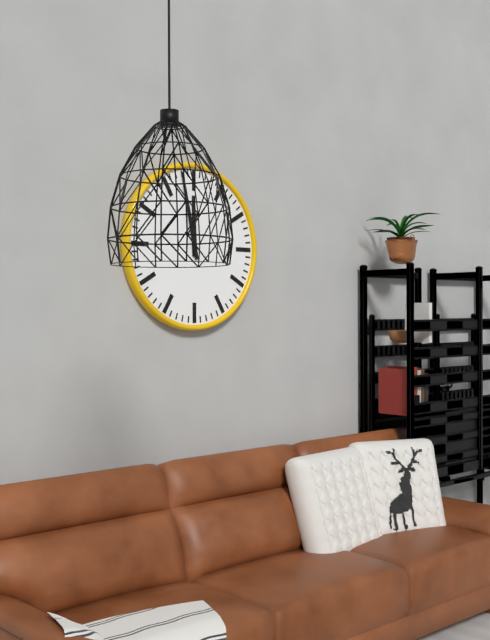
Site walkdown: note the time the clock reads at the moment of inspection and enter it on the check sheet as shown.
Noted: 11:58
